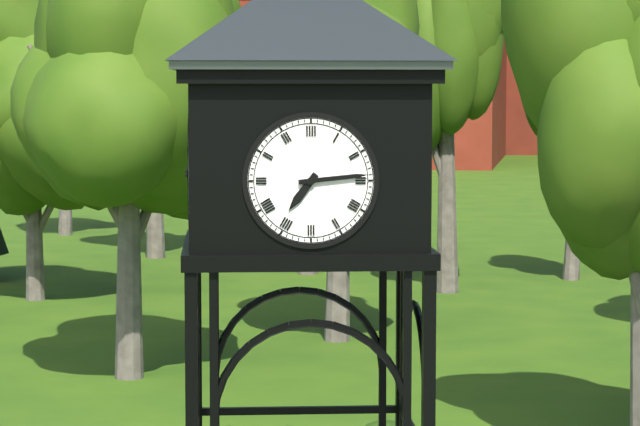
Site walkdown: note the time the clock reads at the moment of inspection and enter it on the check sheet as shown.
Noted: 7:14
